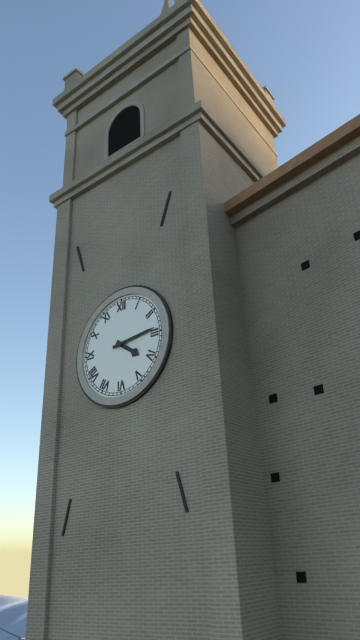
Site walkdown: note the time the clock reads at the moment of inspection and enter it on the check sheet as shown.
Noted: 4:14
